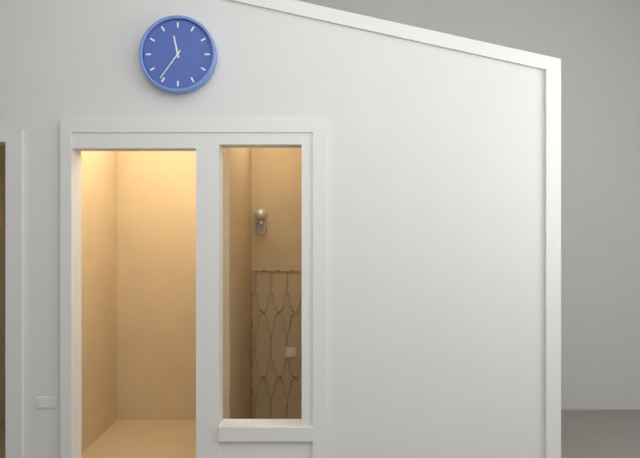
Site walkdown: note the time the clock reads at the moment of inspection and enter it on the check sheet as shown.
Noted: 11:36
